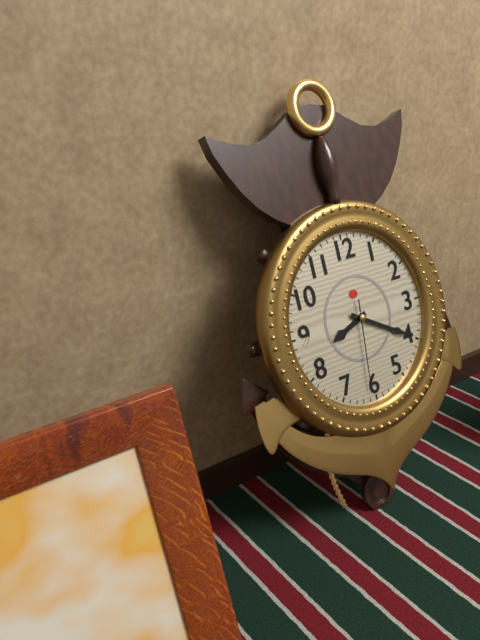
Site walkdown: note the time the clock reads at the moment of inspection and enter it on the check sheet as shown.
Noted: 8:20:31
